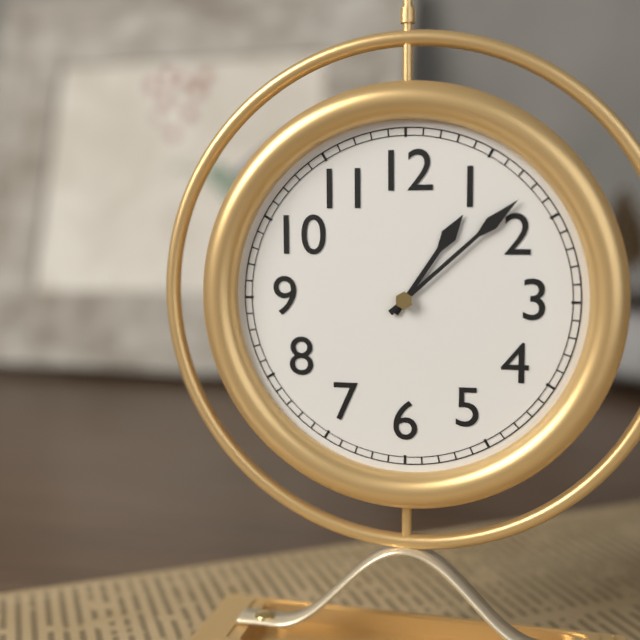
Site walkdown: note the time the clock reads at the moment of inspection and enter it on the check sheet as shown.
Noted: 1:08
